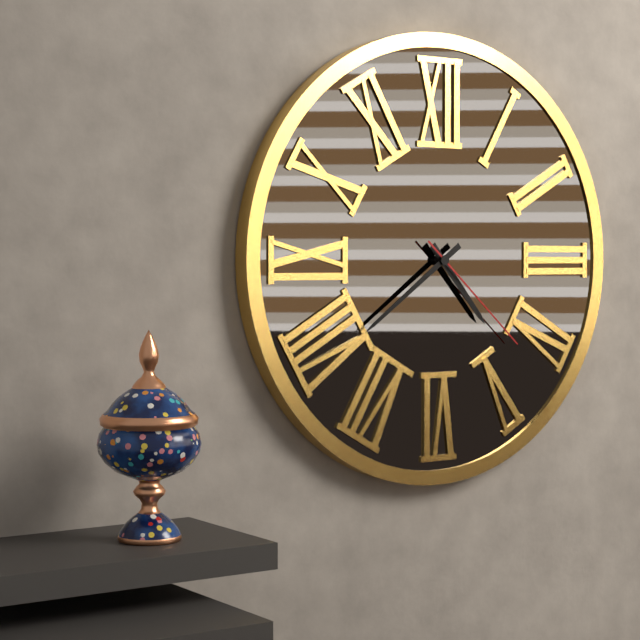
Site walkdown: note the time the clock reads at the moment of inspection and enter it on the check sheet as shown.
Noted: 4:39:22
